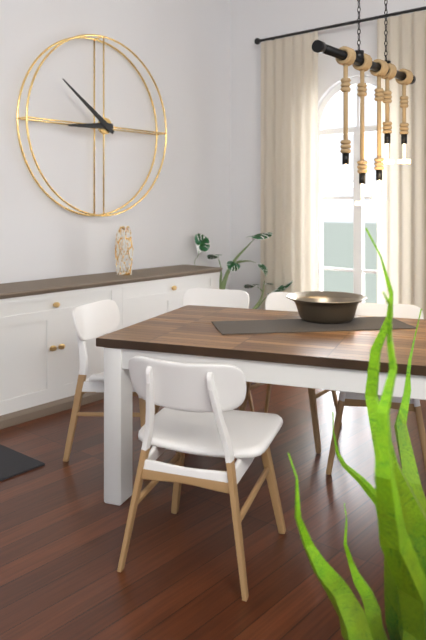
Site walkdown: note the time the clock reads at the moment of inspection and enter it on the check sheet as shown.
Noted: 8:51
